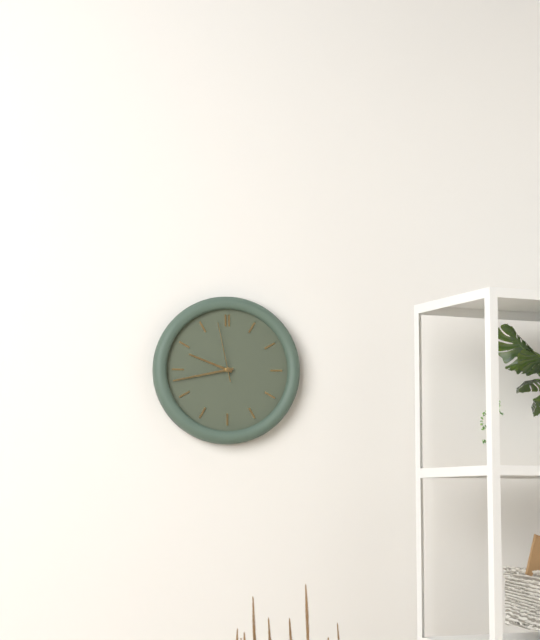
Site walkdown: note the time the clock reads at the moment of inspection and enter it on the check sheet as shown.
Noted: 9:43:58
